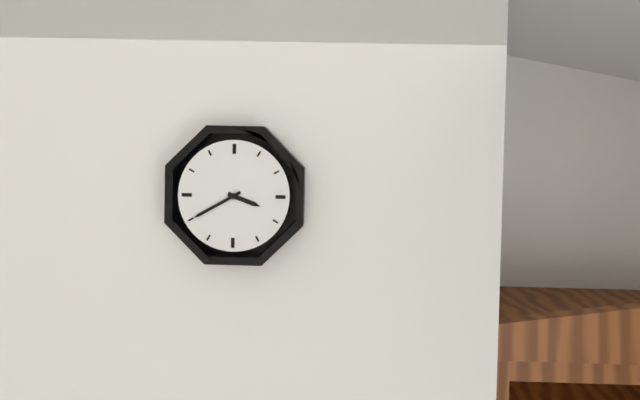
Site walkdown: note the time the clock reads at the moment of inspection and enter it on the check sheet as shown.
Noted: 3:40
